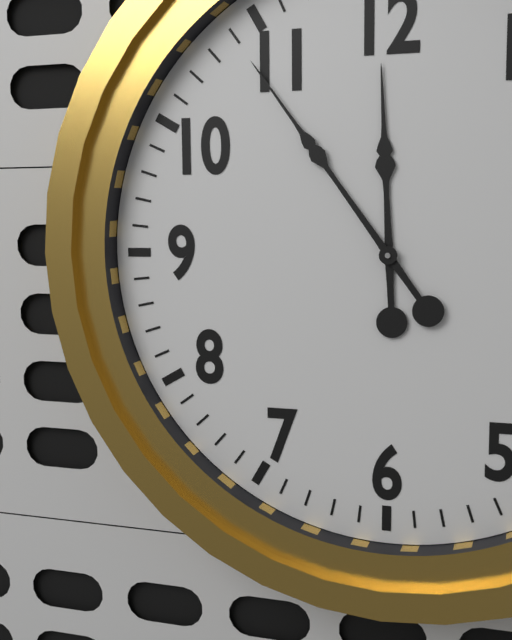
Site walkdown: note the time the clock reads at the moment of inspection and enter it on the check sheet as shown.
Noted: 11:54
